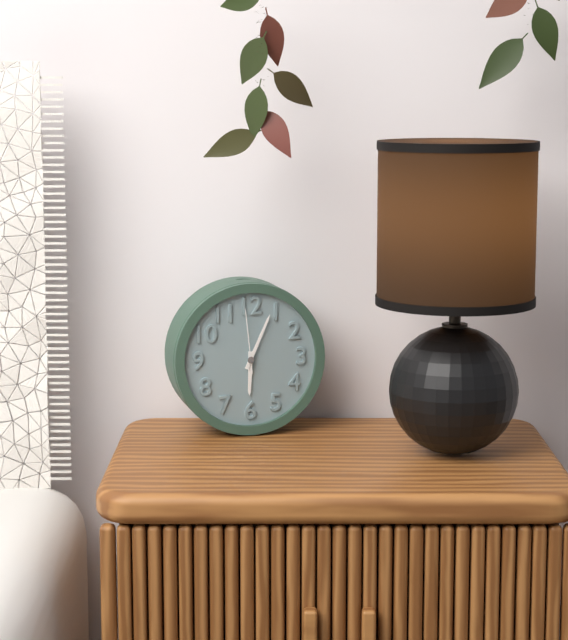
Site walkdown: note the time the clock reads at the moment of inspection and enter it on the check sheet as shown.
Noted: 6:04:59
